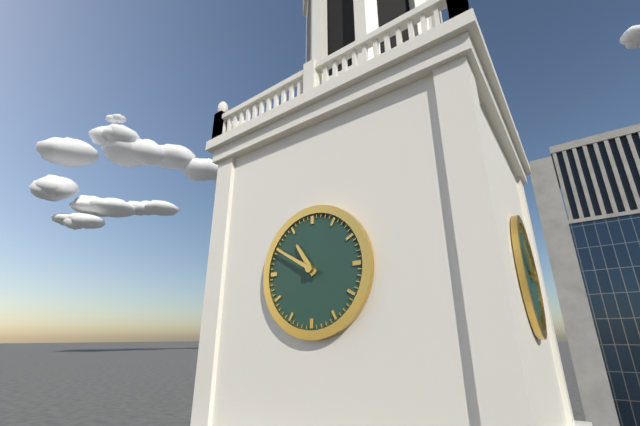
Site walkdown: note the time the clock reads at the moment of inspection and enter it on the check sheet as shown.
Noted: 10:50
